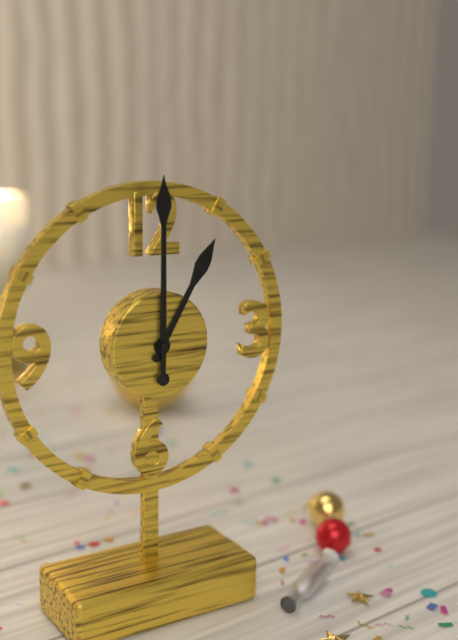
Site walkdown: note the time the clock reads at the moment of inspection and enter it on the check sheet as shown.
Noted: 1:00
